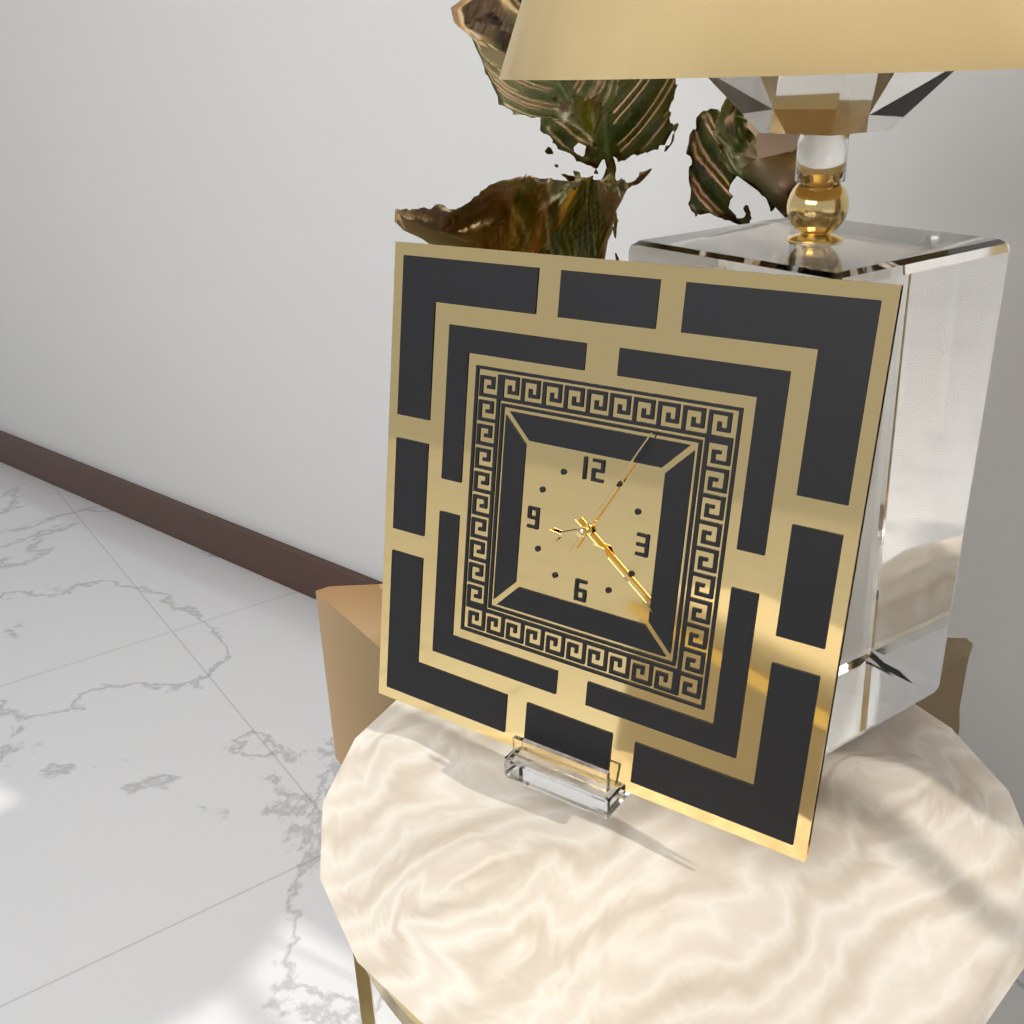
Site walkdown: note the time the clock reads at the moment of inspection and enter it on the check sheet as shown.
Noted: 8:21:05
